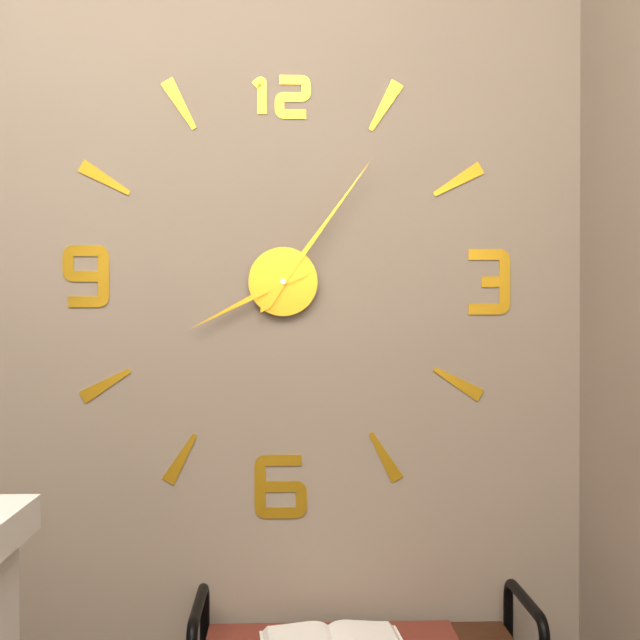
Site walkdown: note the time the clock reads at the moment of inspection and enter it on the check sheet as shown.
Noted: 8:06
